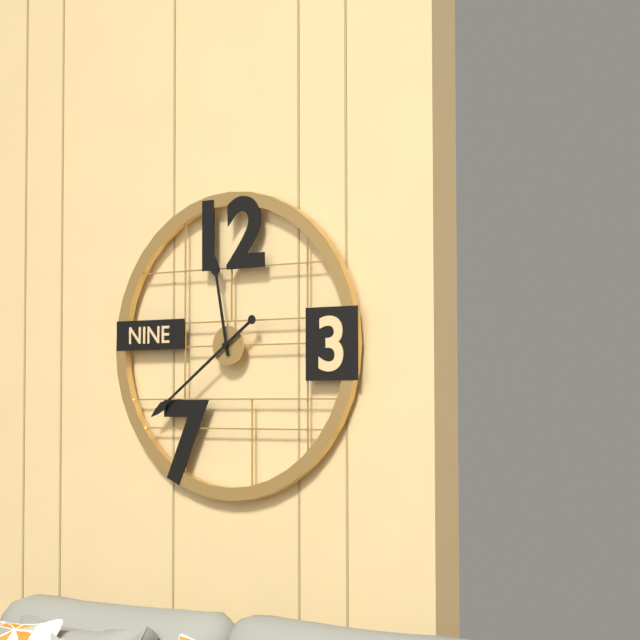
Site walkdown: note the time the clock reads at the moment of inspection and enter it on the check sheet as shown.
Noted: 11:39
